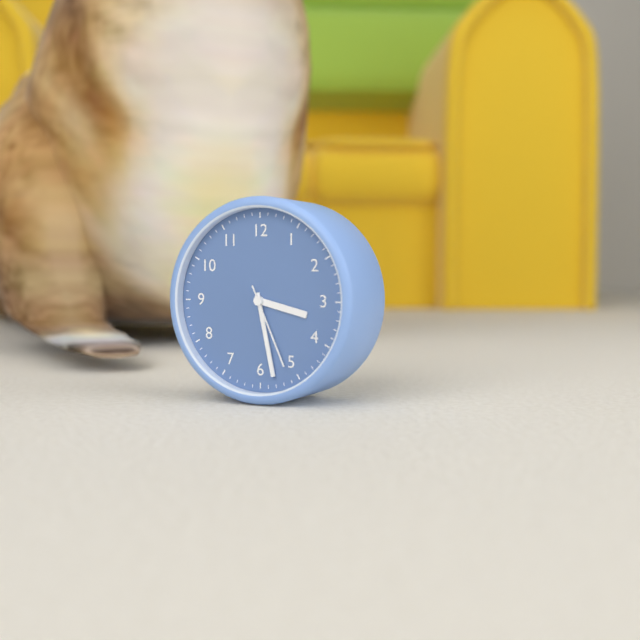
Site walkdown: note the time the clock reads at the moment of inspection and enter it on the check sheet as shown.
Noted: 3:28:26
